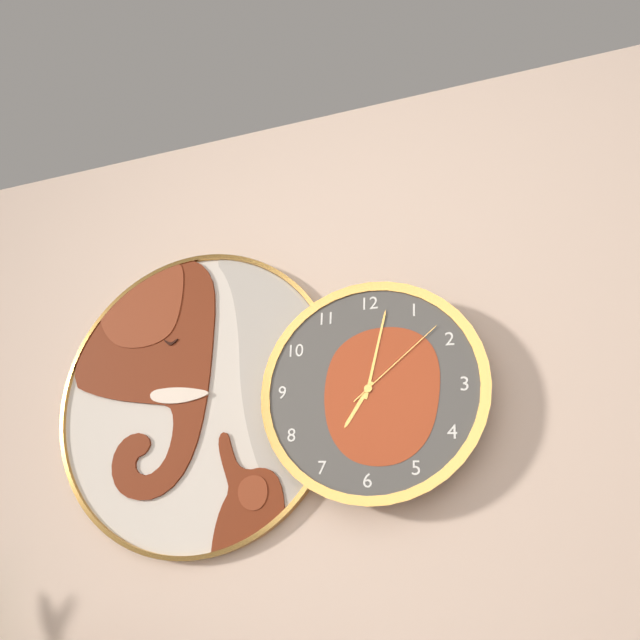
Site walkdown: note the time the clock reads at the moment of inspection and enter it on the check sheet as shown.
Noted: 7:02:08
